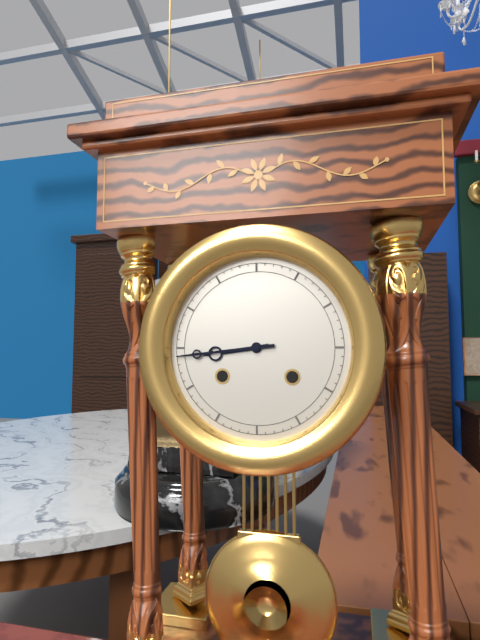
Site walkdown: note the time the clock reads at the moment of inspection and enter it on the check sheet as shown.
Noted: 8:44
